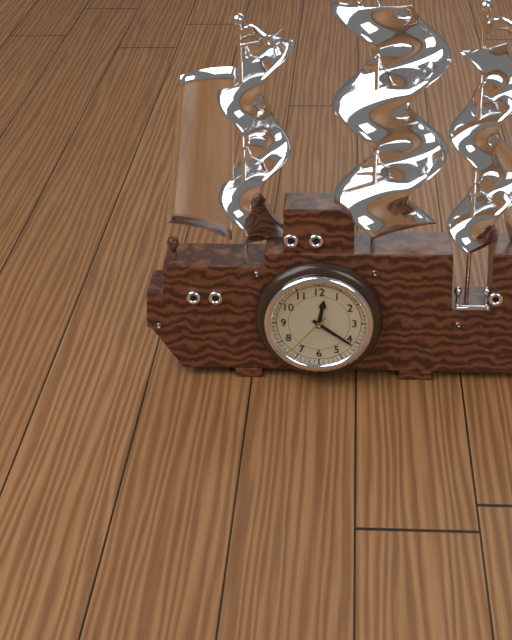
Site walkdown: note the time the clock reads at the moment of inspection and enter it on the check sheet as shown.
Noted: 12:21:37
